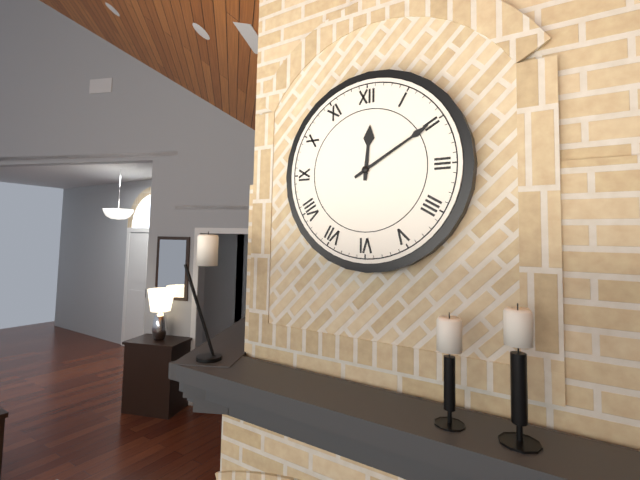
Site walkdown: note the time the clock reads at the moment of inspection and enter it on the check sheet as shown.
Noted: 12:10
